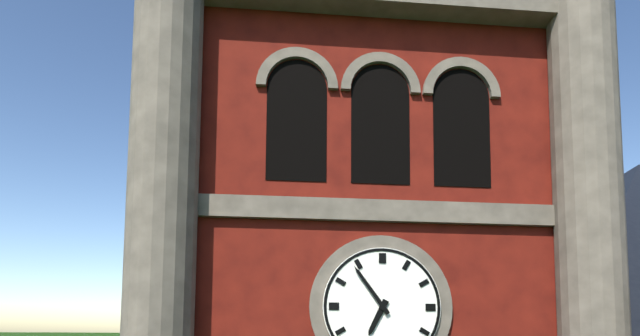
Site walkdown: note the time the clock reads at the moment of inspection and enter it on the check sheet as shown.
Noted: 6:54
